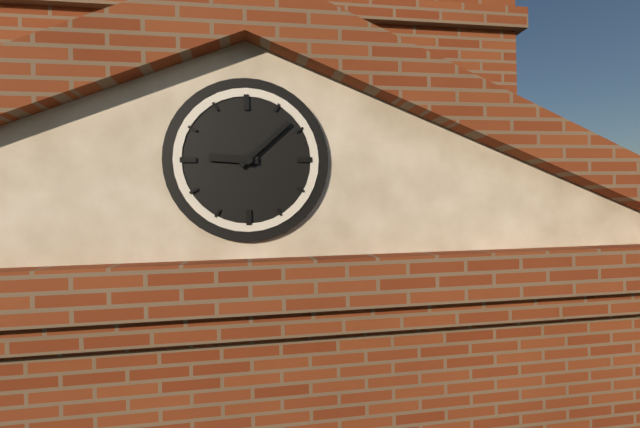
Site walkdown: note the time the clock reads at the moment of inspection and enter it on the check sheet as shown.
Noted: 9:08
